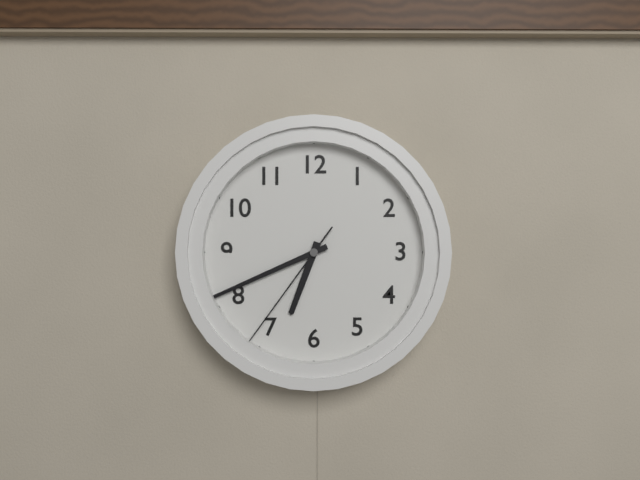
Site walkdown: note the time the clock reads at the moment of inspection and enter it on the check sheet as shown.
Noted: 6:41:36
